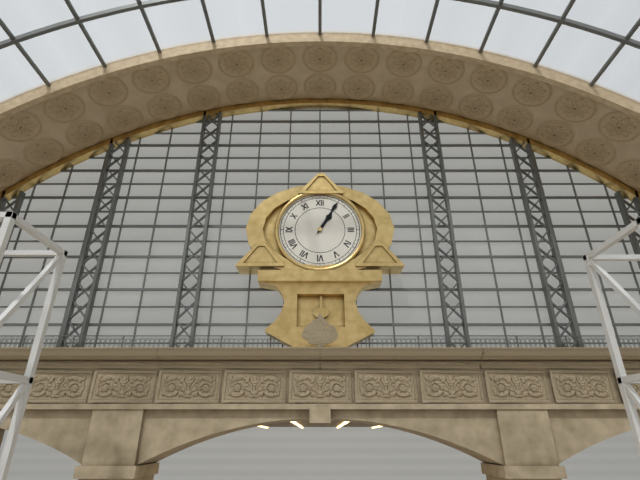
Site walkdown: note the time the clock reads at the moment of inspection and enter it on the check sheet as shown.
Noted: 1:05
